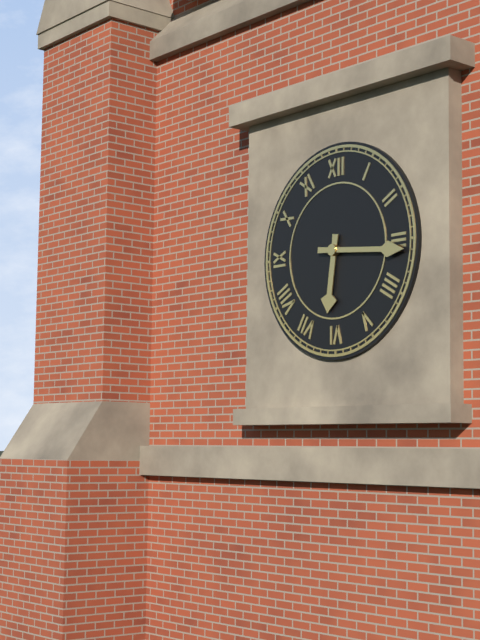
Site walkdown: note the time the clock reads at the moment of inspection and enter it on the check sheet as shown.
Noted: 6:16
